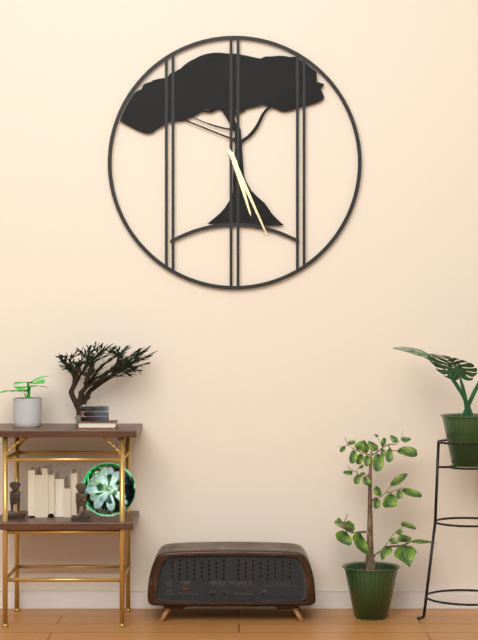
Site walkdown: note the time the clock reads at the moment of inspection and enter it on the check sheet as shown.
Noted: 5:26
